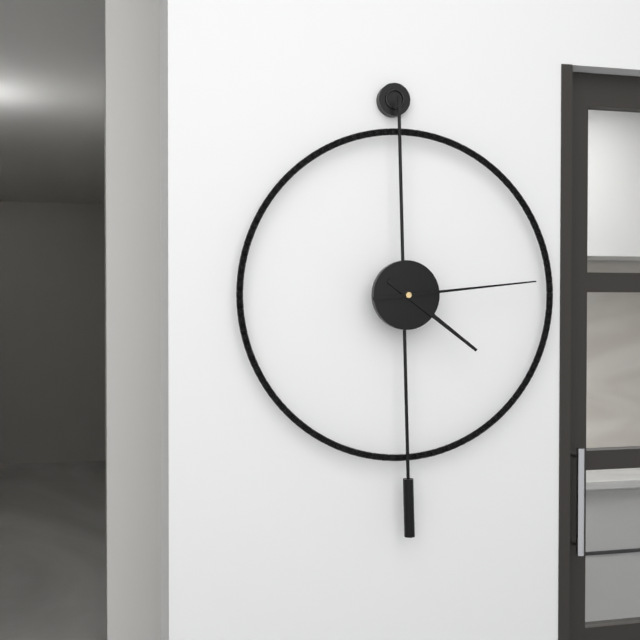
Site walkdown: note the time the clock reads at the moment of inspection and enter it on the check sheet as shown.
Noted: 4:14
